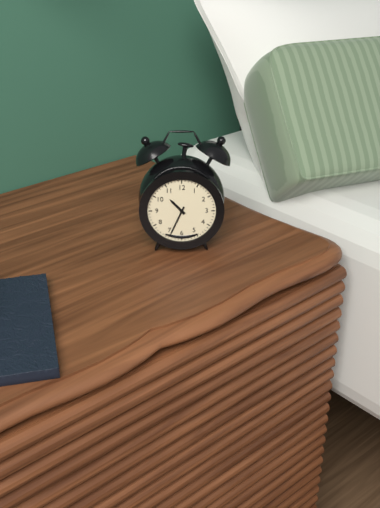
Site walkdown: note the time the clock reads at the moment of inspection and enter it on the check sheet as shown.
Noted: 10:34
